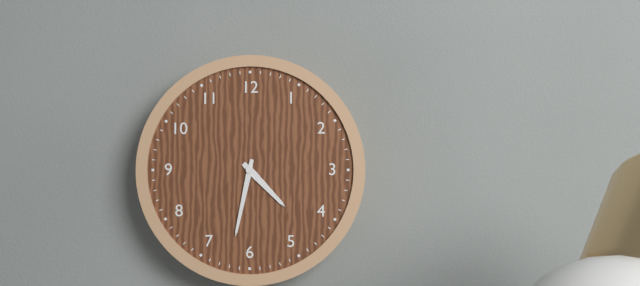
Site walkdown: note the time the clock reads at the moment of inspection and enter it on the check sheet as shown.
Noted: 4:32
